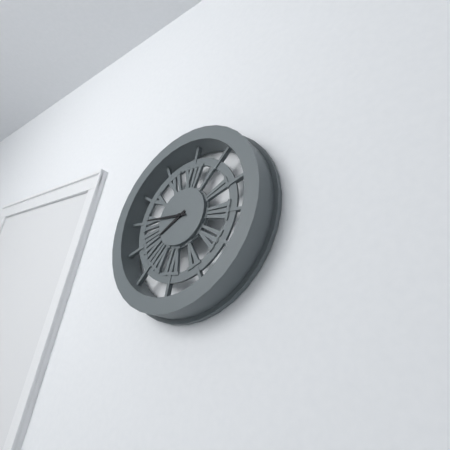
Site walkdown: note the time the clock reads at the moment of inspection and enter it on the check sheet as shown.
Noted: 7:45
